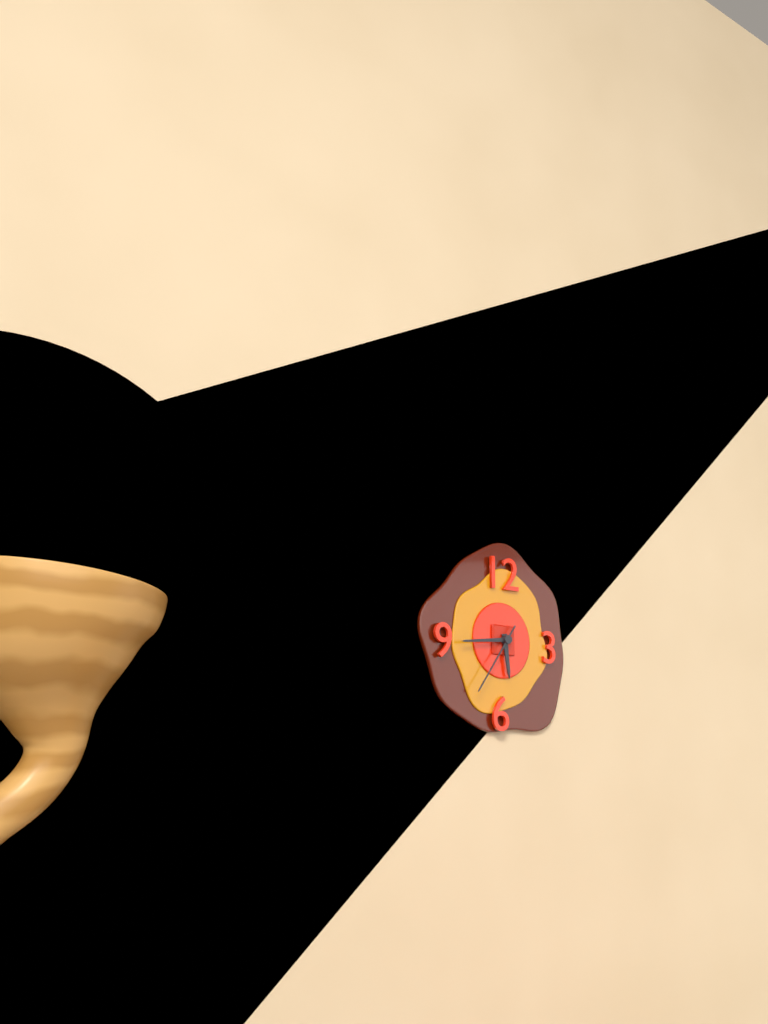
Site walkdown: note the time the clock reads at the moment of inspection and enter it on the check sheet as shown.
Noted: 5:44:36
